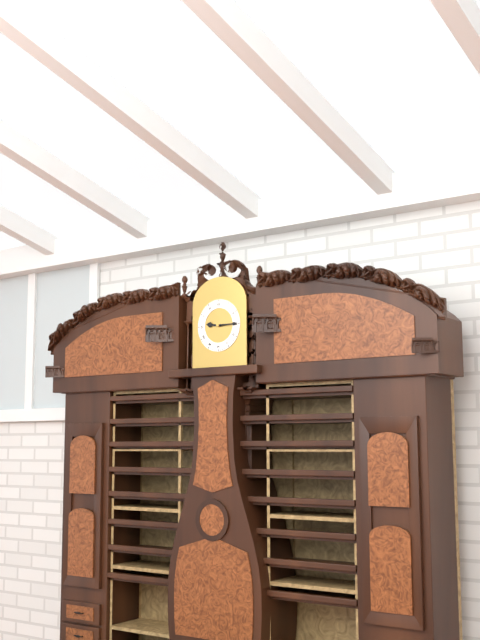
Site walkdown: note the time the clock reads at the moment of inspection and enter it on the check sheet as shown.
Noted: 9:15
